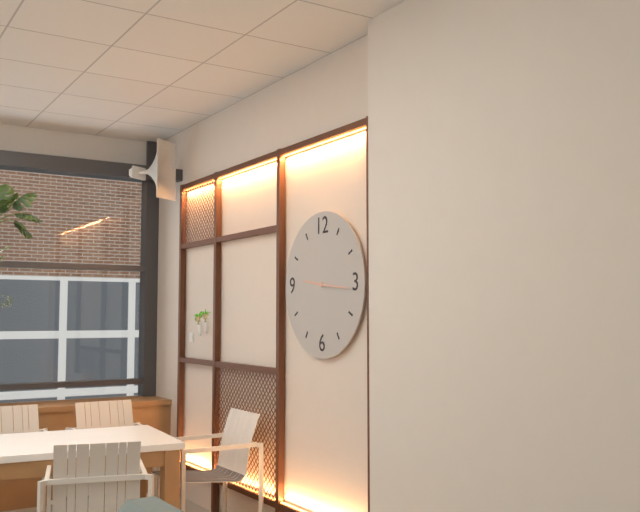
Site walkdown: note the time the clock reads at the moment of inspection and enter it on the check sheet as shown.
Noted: 9:16
